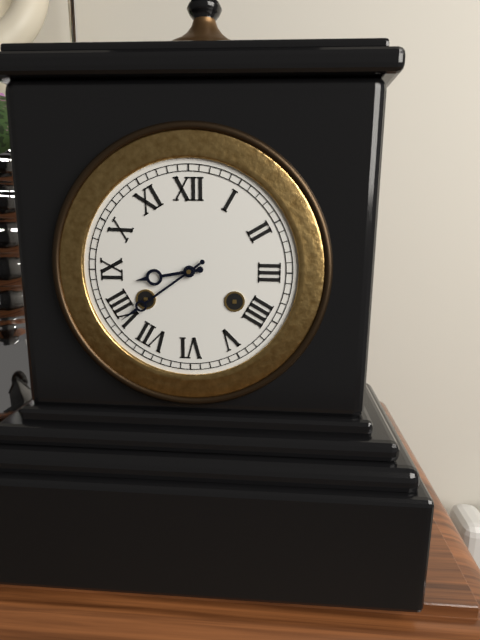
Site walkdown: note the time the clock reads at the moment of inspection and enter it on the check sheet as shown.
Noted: 8:39
